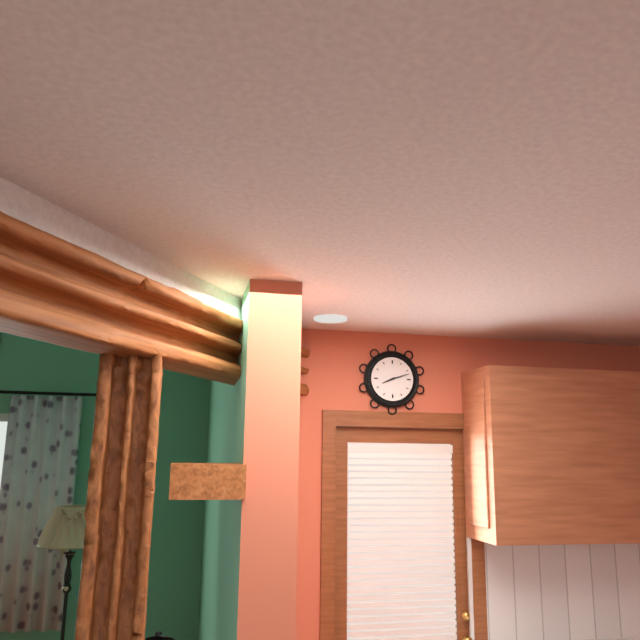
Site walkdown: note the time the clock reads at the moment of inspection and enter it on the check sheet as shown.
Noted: 8:12
